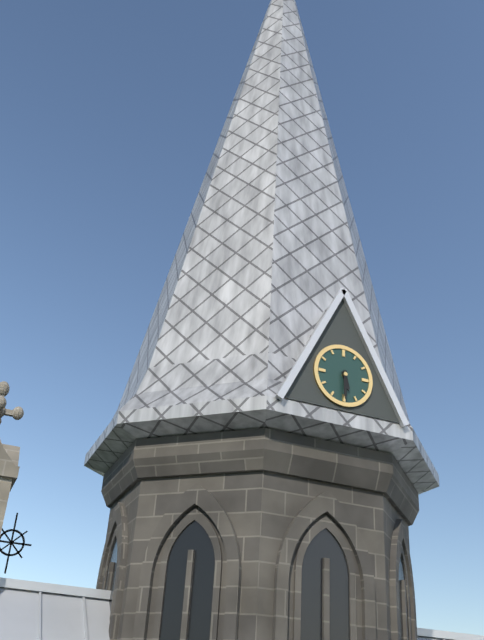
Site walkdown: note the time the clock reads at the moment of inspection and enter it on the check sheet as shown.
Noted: 5:30
